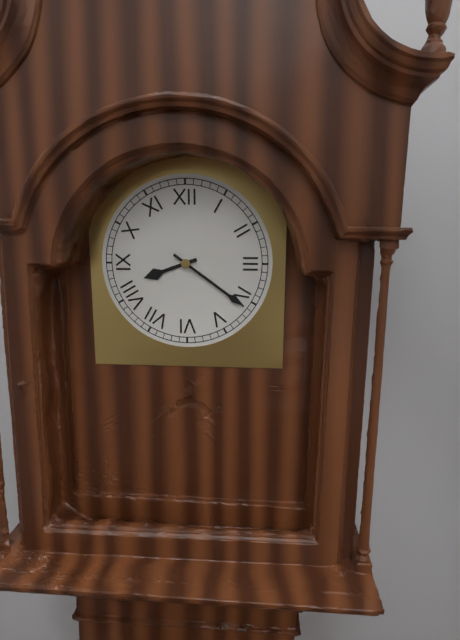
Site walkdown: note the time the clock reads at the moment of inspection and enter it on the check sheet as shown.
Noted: 8:21
